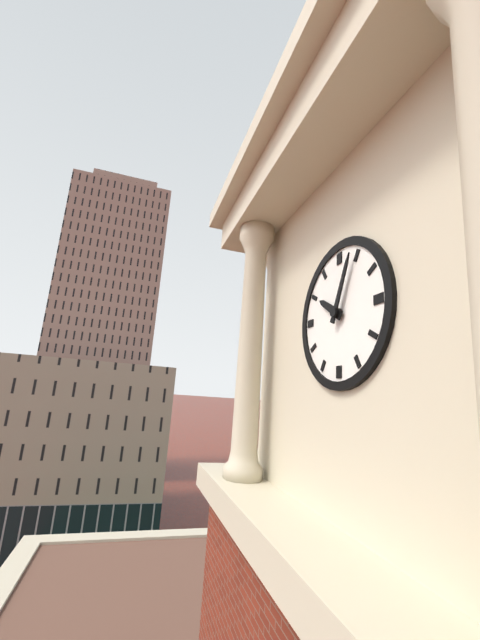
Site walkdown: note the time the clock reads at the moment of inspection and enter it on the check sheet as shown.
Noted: 10:04
